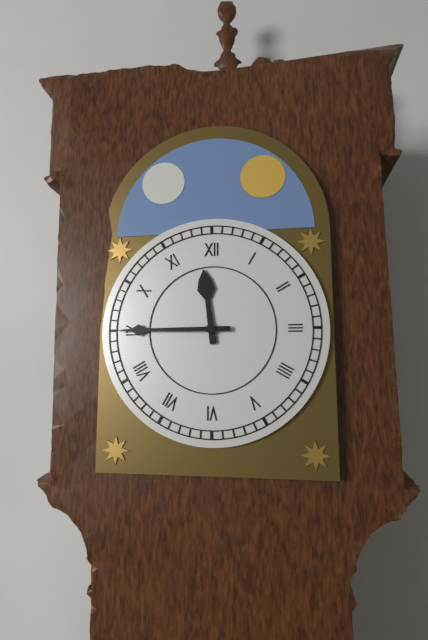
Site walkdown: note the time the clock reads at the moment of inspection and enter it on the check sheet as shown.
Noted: 11:45
